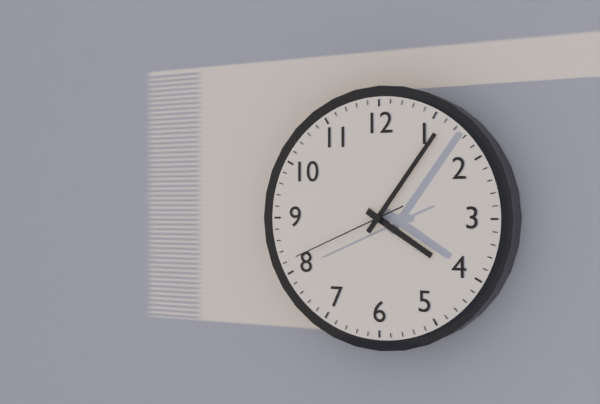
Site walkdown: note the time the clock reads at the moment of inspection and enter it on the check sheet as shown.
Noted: 4:06:41
